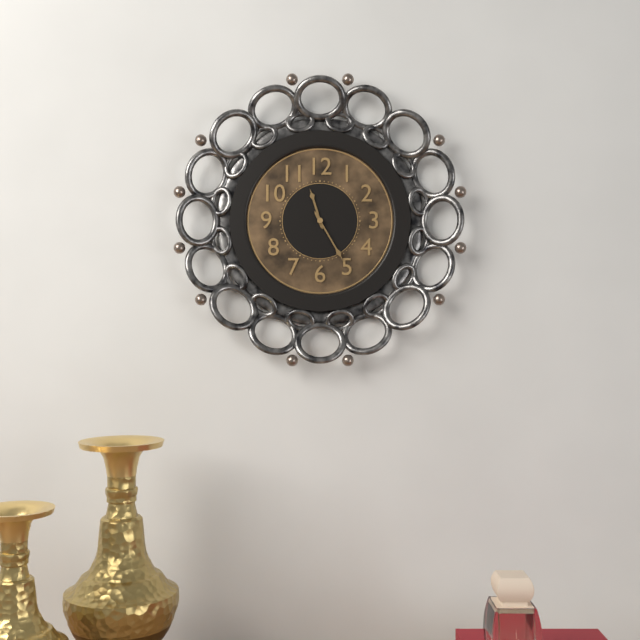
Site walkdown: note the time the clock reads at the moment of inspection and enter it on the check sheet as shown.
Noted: 11:25
